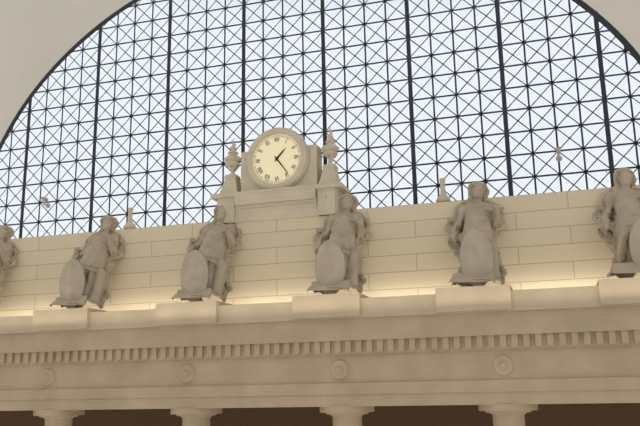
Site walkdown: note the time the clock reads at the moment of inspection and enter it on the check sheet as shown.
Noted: 1:24
